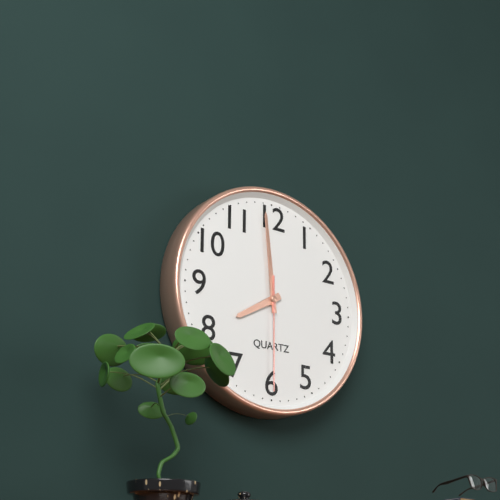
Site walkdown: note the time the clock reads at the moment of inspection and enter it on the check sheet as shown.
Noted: 7:59:30
